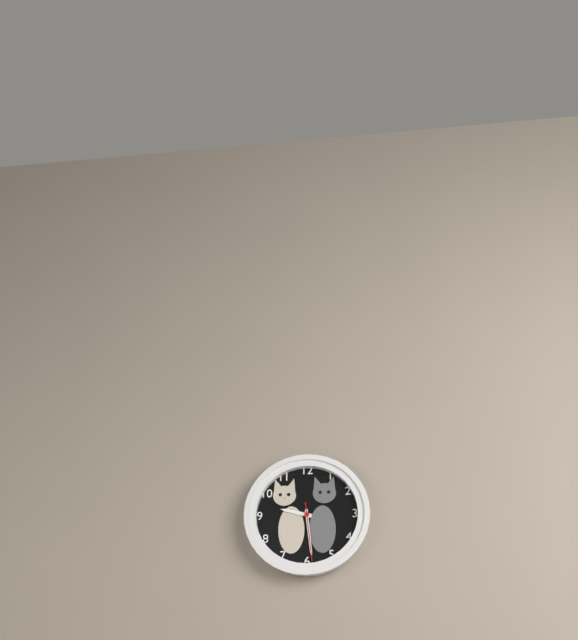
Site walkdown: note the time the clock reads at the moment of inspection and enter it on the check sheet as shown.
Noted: 9:29:29
